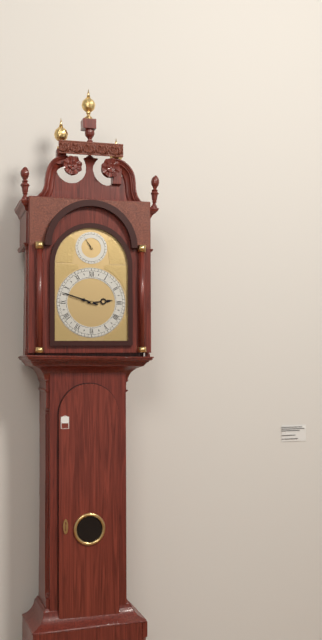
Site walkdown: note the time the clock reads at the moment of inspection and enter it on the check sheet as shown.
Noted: 2:48
